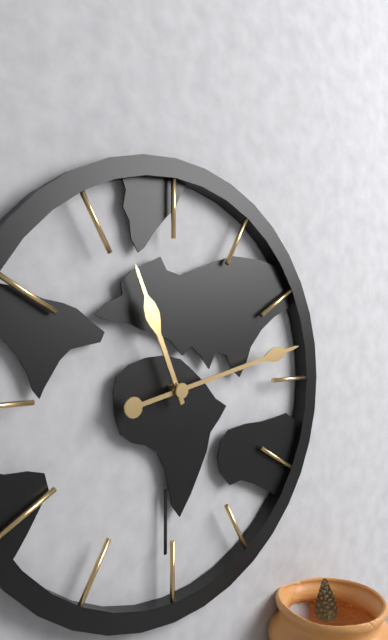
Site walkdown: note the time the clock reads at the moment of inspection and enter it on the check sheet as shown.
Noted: 11:13
